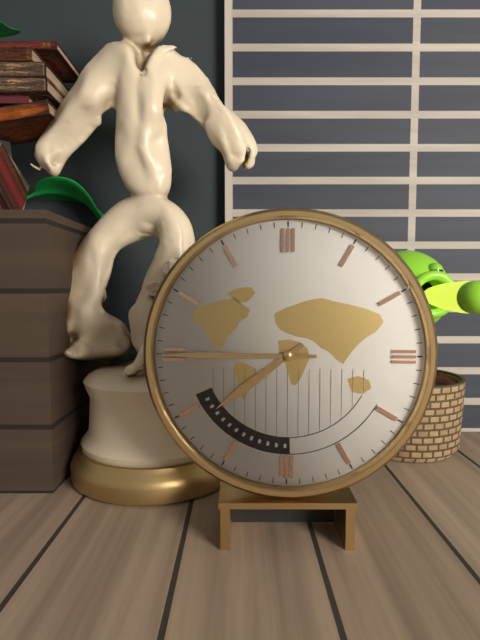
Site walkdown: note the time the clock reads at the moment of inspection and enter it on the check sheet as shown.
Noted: 7:45
